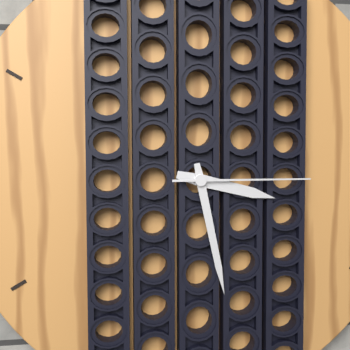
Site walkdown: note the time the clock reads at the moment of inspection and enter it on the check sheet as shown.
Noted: 3:28:15
